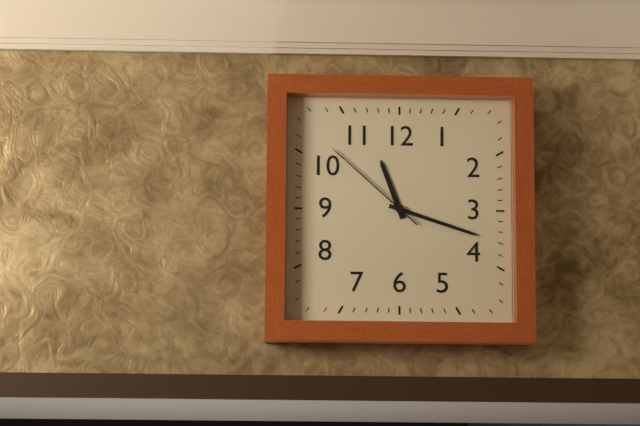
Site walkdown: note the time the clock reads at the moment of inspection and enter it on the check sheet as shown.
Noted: 11:18:52
